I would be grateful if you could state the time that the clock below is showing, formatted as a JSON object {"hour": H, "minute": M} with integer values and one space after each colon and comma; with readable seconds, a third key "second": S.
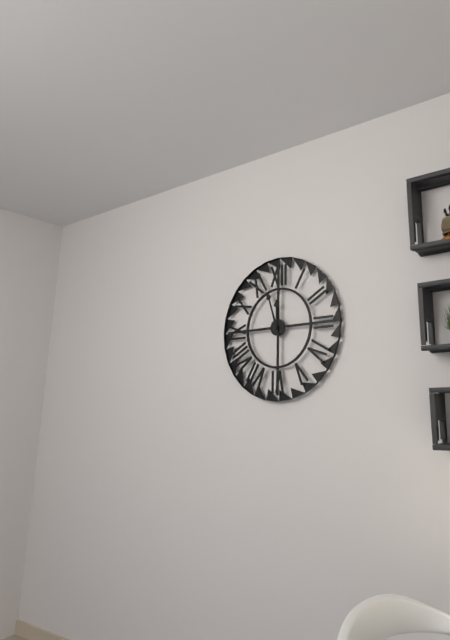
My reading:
{"hour": 11, "minute": 57}
